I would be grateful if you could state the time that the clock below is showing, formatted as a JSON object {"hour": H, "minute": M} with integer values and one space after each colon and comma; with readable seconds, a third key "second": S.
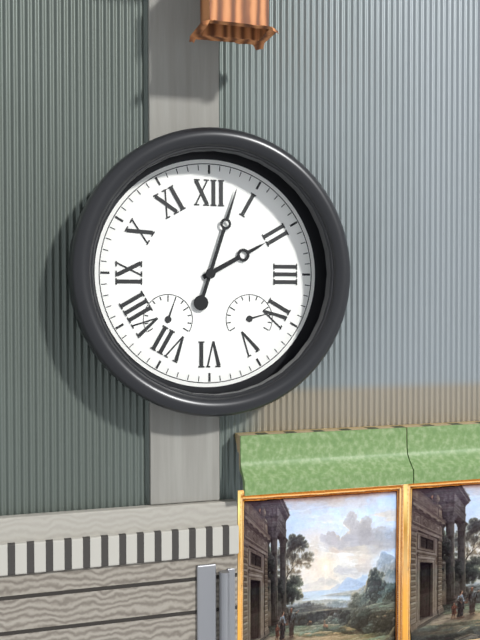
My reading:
{"hour": 2, "minute": 3}
